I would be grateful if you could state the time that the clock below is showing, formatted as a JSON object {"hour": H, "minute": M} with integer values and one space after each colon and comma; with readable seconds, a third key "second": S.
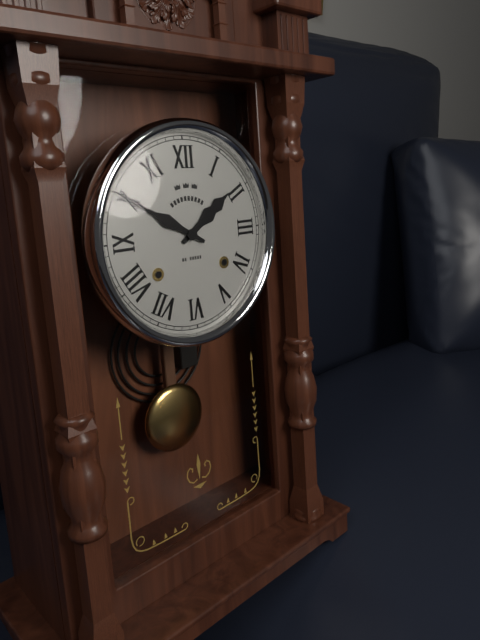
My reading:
{"hour": 1, "minute": 50}
